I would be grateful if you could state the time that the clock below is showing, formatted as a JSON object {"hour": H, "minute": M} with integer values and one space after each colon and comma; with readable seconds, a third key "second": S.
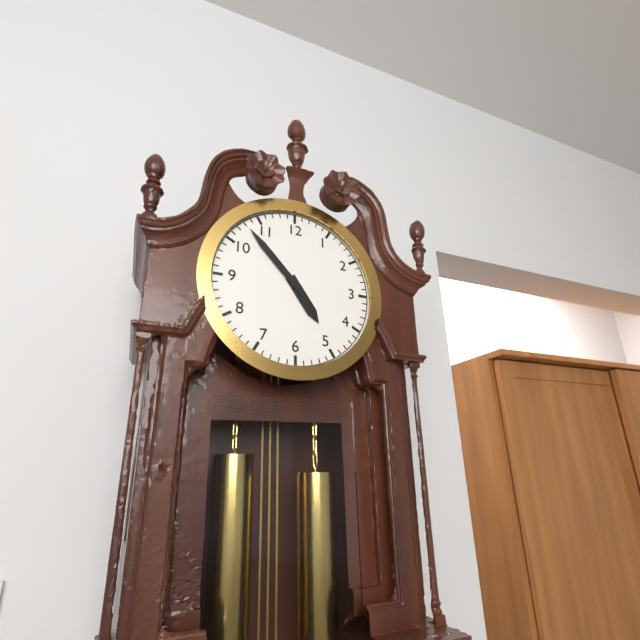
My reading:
{"hour": 4, "minute": 53}
